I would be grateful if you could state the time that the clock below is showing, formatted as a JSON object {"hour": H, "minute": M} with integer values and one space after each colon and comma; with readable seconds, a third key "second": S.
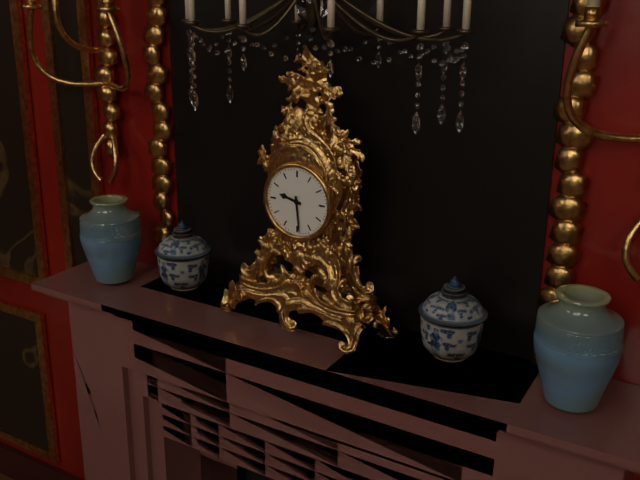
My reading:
{"hour": 9, "minute": 29}
